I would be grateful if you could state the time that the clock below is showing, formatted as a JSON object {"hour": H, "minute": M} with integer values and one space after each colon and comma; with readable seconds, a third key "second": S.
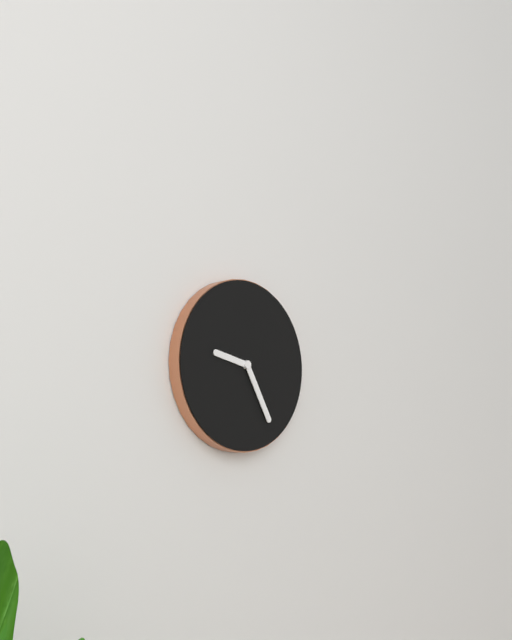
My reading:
{"hour": 9, "minute": 25}
